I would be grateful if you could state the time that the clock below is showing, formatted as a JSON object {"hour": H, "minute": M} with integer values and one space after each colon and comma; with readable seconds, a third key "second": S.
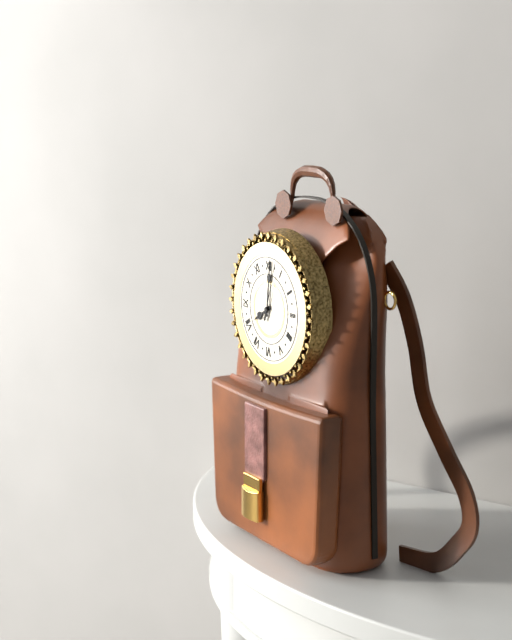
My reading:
{"hour": 8, "minute": 1, "second": 3}
